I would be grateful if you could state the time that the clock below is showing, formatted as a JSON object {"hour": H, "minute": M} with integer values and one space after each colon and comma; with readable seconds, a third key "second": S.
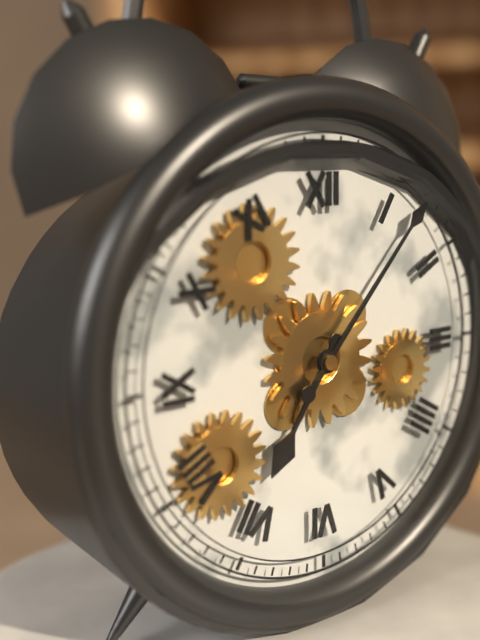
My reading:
{"hour": 7, "minute": 7}
